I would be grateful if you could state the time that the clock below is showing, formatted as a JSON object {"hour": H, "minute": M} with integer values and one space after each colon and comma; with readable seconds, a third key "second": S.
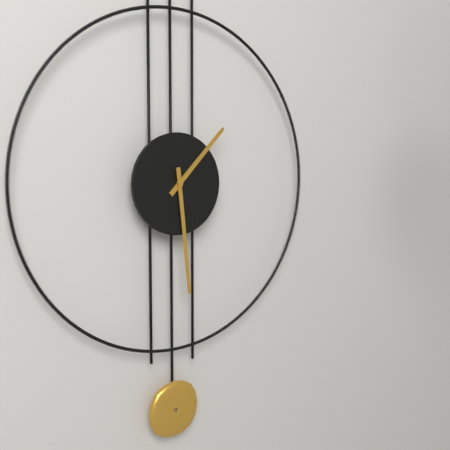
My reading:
{"hour": 1, "minute": 29}
